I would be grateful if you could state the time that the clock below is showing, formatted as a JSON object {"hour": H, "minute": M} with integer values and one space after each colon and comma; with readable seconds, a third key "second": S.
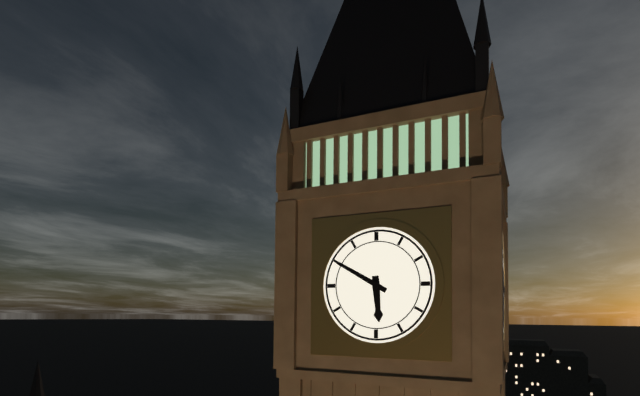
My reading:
{"hour": 5, "minute": 50}
